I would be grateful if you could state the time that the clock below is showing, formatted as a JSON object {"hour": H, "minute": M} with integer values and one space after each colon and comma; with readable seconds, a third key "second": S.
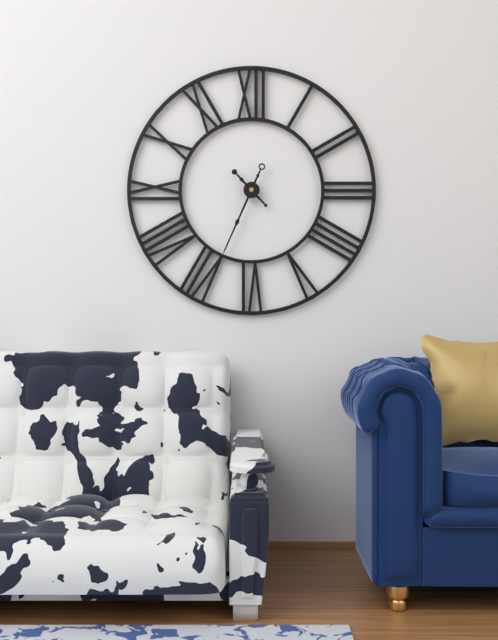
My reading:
{"hour": 10, "minute": 34}
